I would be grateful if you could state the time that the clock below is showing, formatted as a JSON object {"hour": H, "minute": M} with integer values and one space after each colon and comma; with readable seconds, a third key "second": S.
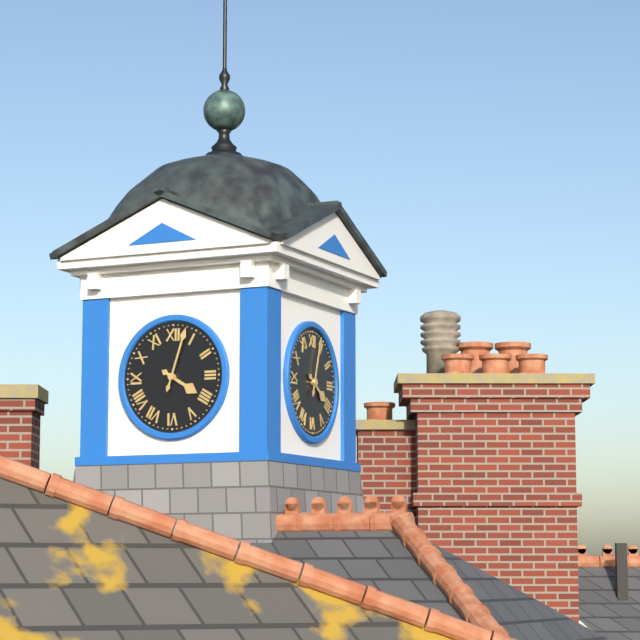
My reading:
{"hour": 4, "minute": 3}
